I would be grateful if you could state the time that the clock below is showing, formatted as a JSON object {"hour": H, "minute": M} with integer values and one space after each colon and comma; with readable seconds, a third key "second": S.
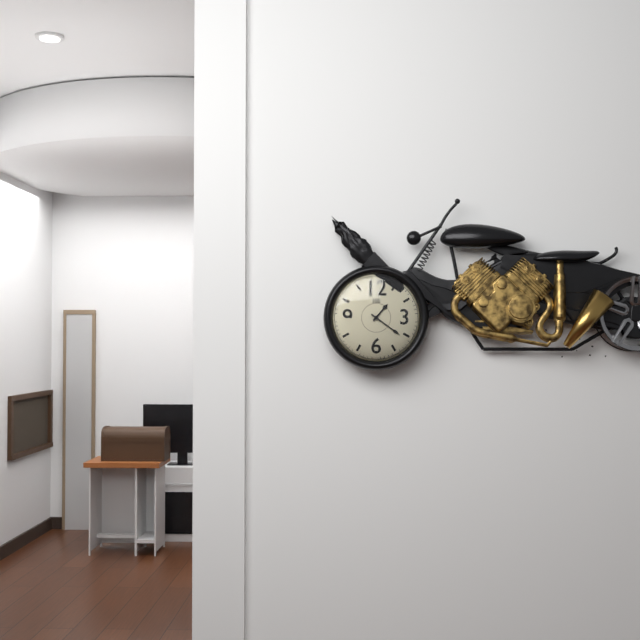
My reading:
{"hour": 1, "minute": 21}
